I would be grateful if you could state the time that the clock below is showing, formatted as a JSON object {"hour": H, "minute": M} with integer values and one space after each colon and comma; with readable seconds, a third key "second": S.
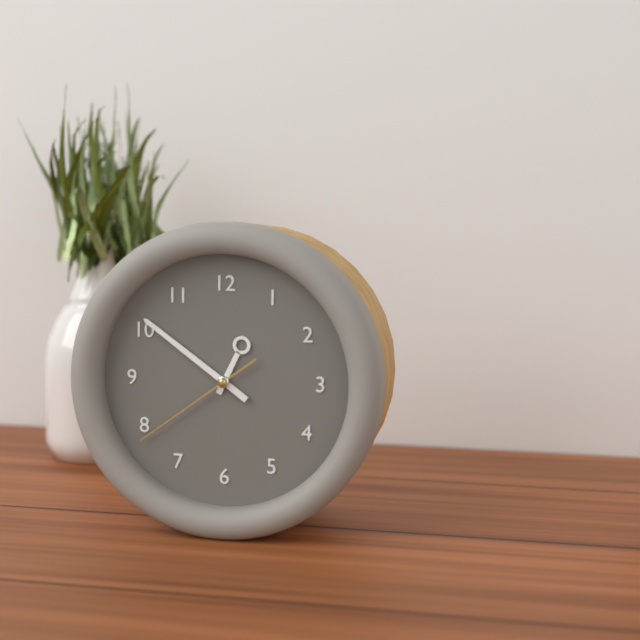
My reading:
{"hour": 12, "minute": 51, "second": 39}
